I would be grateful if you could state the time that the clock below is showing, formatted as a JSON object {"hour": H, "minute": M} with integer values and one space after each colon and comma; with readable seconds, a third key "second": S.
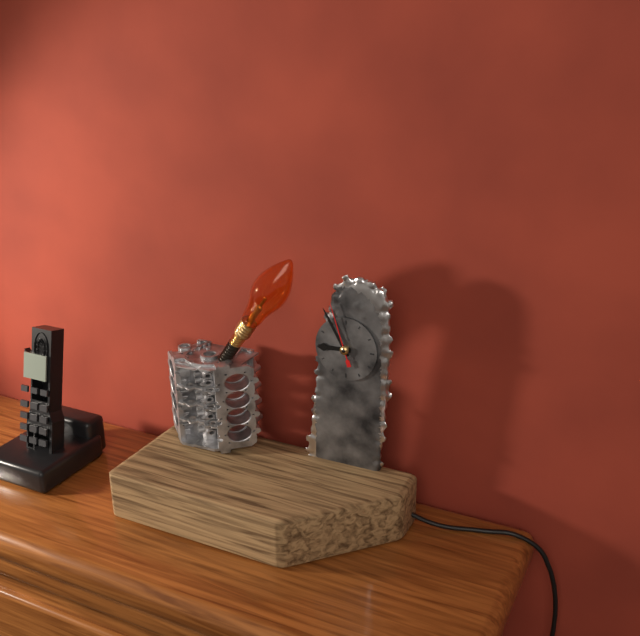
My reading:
{"hour": 8, "minute": 55, "second": 57}
